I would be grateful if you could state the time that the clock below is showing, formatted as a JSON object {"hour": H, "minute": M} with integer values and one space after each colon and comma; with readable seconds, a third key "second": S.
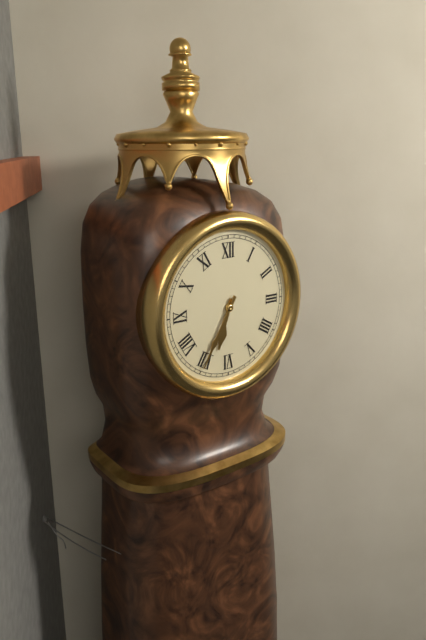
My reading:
{"hour": 6, "minute": 35}
